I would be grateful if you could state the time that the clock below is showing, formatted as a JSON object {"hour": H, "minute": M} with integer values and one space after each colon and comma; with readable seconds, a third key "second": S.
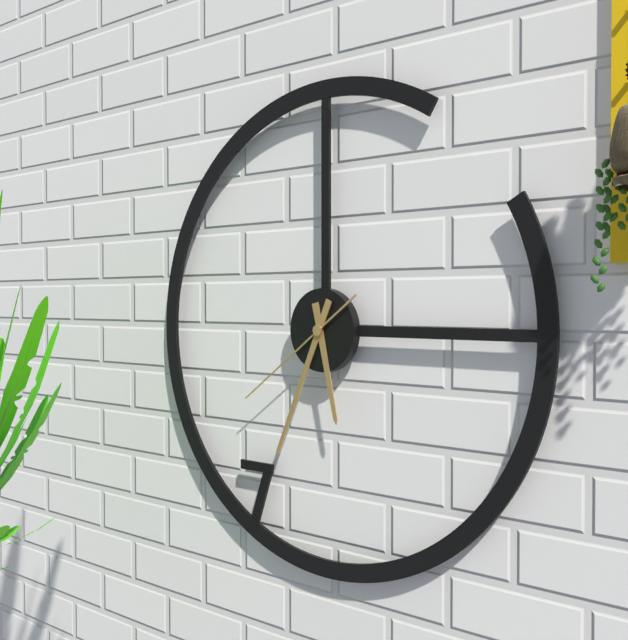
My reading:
{"hour": 5, "minute": 34, "second": 39}
